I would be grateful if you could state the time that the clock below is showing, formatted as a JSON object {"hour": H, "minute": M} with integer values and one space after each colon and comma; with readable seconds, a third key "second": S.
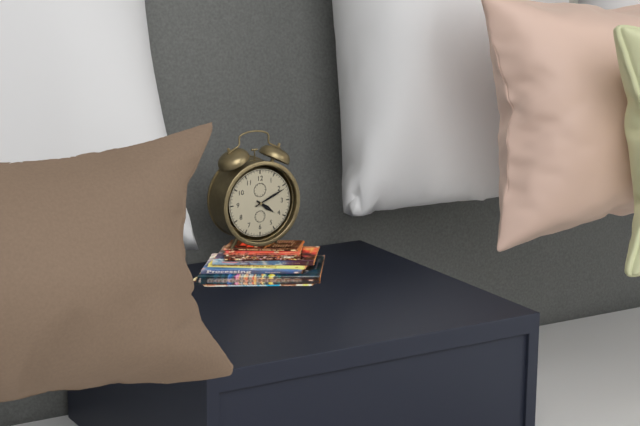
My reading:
{"hour": 4, "minute": 11}
